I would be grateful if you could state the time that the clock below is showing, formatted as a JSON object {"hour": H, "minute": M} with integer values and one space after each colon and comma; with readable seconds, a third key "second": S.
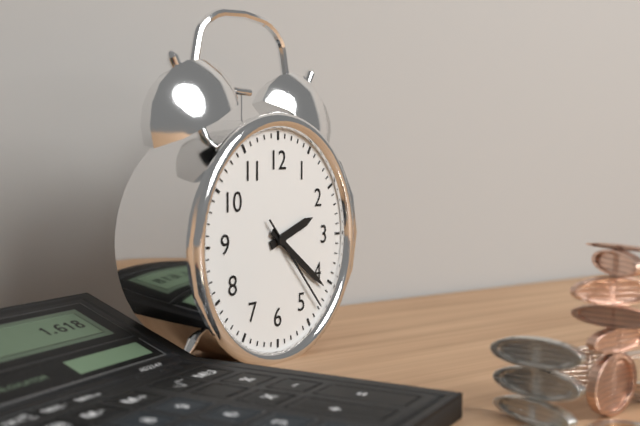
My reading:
{"hour": 2, "minute": 21, "second": 23}
